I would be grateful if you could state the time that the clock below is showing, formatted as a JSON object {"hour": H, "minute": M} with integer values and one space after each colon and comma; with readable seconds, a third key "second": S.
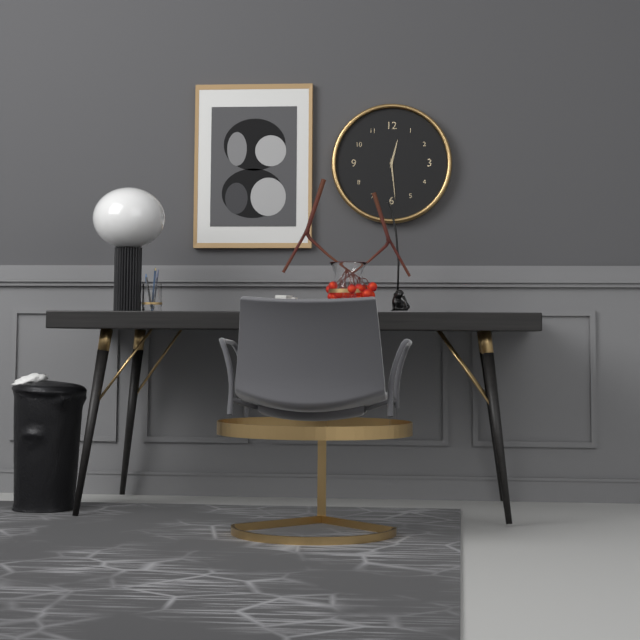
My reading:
{"hour": 12, "minute": 29}
